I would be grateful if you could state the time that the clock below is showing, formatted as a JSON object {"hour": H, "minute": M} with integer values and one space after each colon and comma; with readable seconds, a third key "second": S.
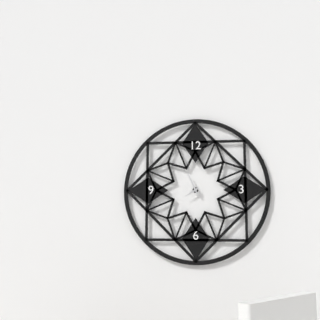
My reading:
{"hour": 7, "minute": 56}
